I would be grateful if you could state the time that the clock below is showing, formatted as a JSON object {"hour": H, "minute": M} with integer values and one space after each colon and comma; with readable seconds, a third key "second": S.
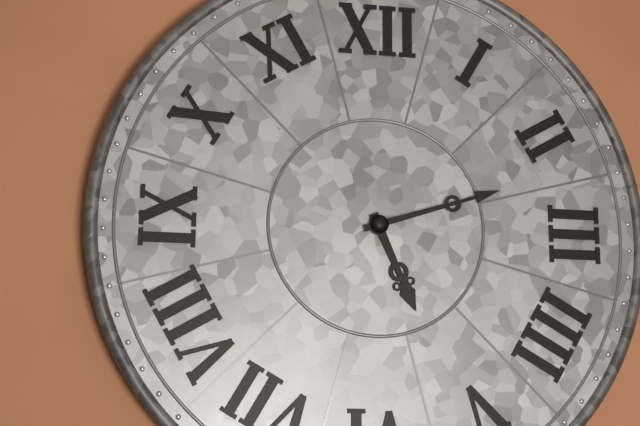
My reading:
{"hour": 5, "minute": 12}
